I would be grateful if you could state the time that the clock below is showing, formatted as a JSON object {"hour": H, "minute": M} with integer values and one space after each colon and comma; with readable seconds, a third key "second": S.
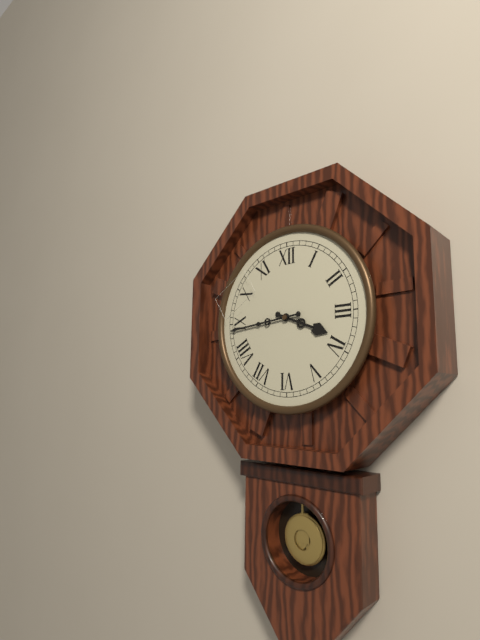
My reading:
{"hour": 3, "minute": 44}
